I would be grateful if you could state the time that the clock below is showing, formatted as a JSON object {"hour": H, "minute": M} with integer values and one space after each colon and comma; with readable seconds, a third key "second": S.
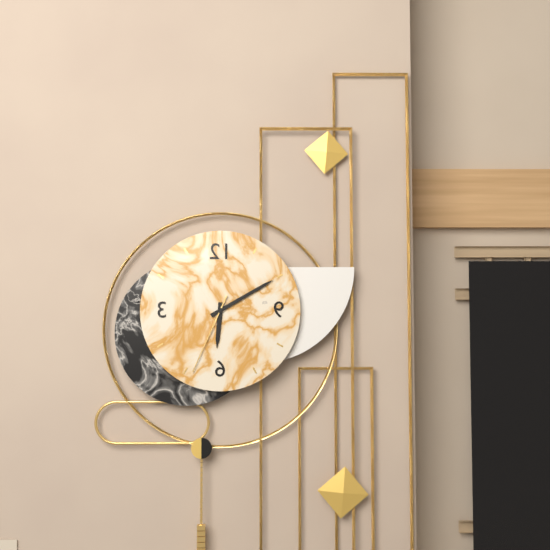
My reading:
{"hour": 6, "minute": 10, "second": 34}
